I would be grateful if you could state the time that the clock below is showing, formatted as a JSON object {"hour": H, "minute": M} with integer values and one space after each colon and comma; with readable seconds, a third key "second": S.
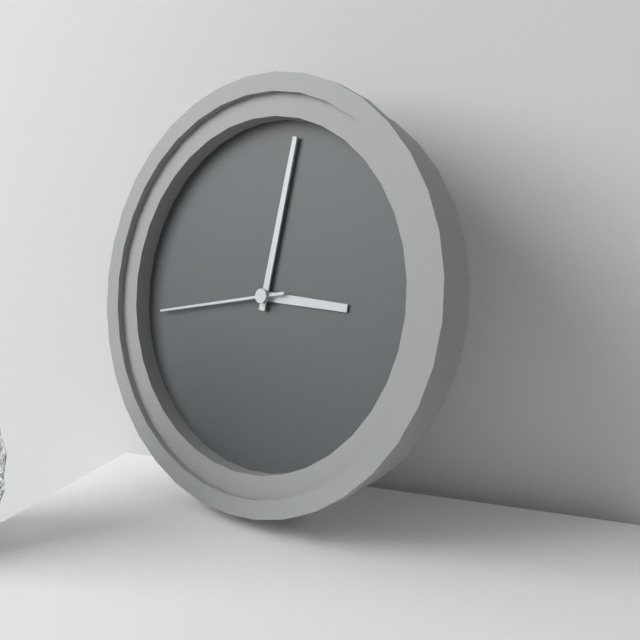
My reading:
{"hour": 3, "minute": 1, "second": 43}
